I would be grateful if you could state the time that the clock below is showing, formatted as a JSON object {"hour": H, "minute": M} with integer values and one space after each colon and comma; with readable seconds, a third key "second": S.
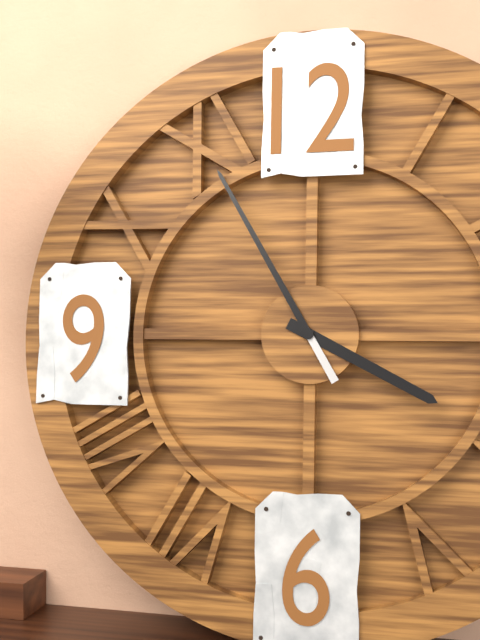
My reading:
{"hour": 3, "minute": 55}
